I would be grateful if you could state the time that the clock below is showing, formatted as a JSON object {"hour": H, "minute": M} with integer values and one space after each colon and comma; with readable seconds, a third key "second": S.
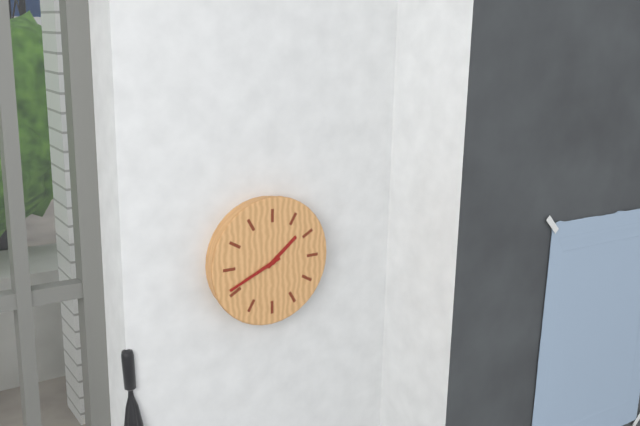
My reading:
{"hour": 1, "minute": 41}
